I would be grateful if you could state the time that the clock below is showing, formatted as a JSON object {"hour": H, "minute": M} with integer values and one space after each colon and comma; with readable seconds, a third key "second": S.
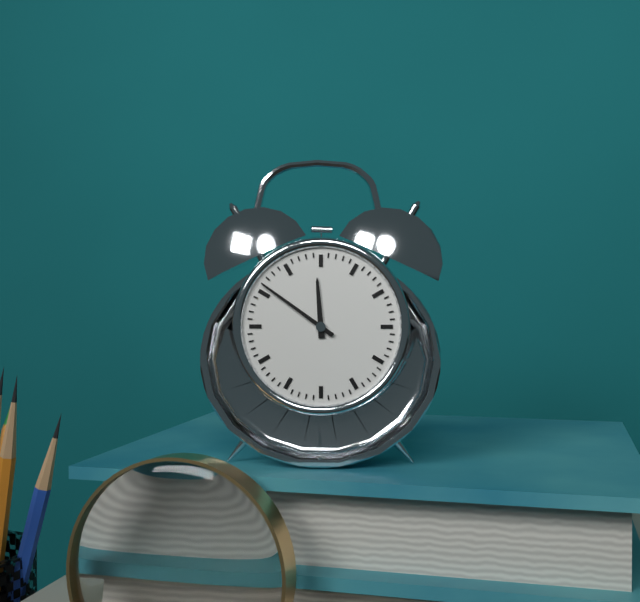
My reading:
{"hour": 11, "minute": 51}
